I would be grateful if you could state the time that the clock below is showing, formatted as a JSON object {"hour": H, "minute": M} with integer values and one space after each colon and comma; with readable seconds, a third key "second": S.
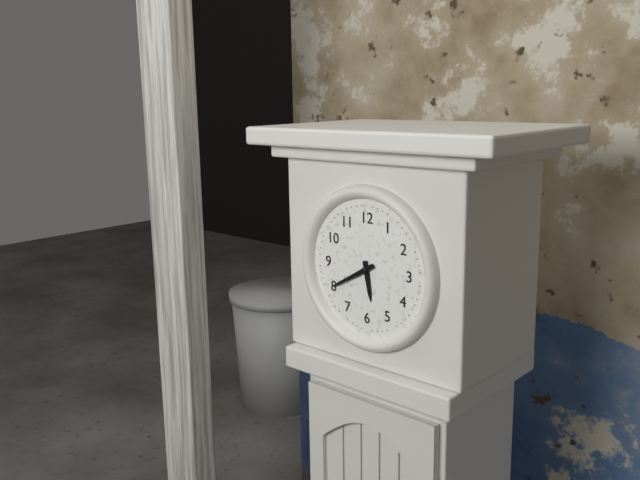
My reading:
{"hour": 5, "minute": 40}
